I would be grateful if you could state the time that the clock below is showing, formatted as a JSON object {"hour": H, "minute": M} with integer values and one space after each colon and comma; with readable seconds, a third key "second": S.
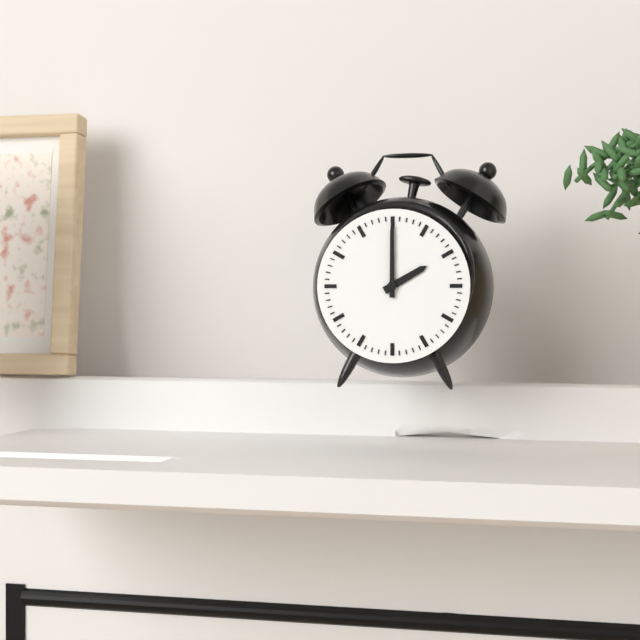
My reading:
{"hour": 2, "minute": 0}
